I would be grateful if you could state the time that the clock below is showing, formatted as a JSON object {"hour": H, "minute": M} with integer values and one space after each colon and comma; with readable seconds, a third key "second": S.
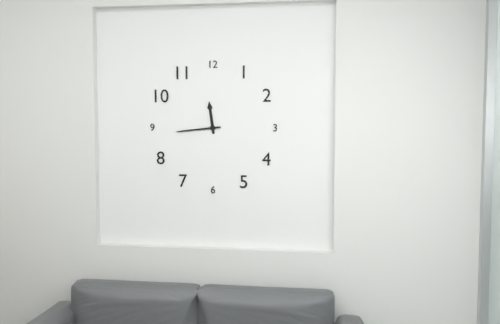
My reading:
{"hour": 11, "minute": 44}
